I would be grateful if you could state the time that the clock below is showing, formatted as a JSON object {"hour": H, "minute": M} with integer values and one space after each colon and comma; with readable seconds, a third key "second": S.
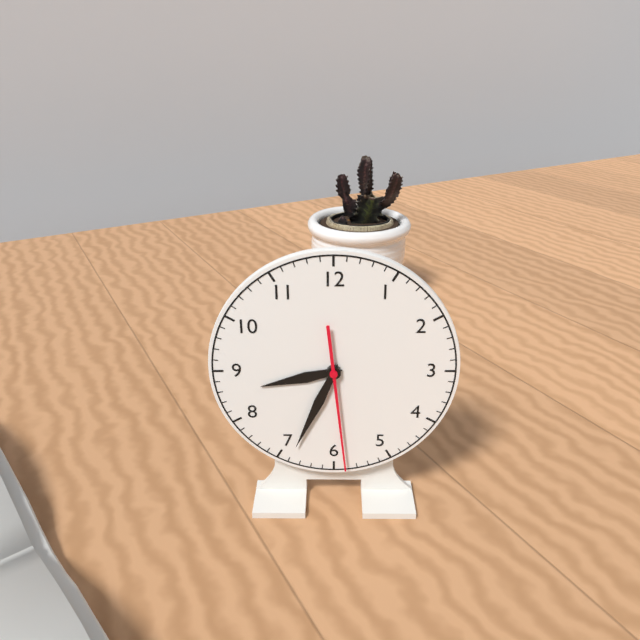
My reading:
{"hour": 8, "minute": 34, "second": 29}
